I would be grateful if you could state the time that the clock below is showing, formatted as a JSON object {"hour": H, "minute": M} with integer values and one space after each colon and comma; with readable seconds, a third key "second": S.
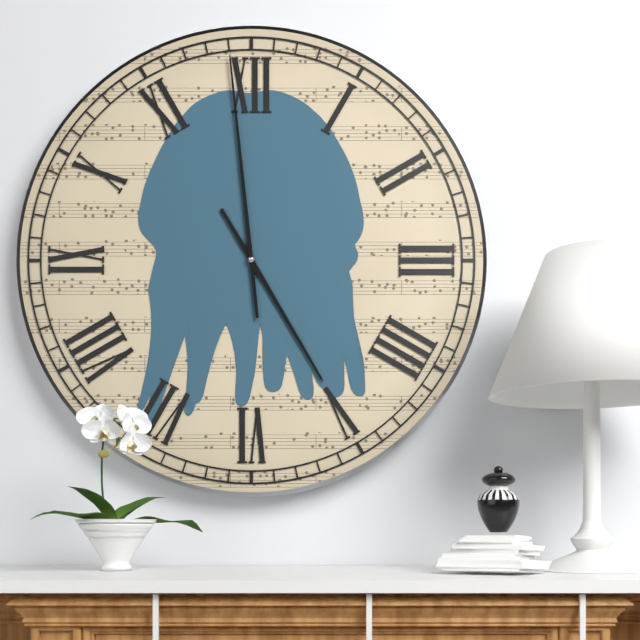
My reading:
{"hour": 4, "minute": 59}
